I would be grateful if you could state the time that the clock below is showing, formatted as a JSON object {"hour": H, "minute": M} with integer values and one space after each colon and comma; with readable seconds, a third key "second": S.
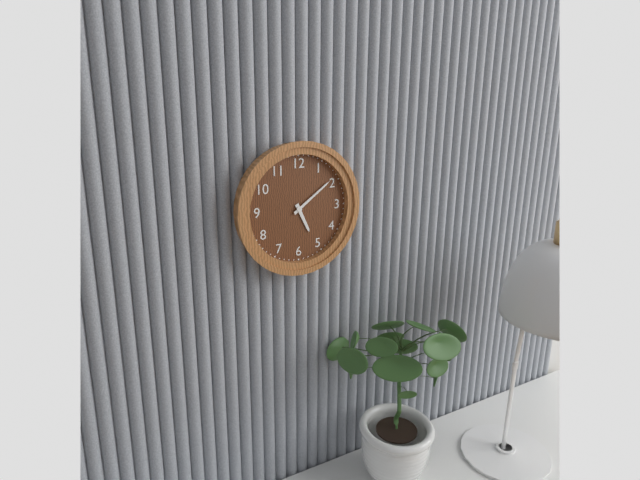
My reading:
{"hour": 5, "minute": 9}
